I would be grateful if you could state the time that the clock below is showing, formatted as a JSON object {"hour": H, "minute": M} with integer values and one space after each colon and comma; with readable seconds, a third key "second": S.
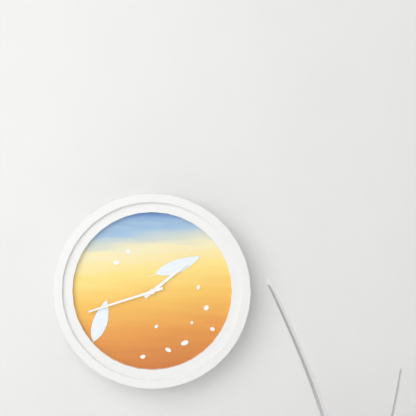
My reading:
{"hour": 1, "minute": 42}
